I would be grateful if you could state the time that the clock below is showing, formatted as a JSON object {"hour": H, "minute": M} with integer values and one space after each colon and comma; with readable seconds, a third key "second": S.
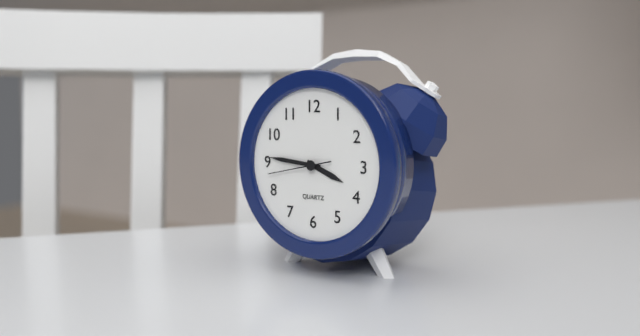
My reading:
{"hour": 3, "minute": 46, "second": 43}
